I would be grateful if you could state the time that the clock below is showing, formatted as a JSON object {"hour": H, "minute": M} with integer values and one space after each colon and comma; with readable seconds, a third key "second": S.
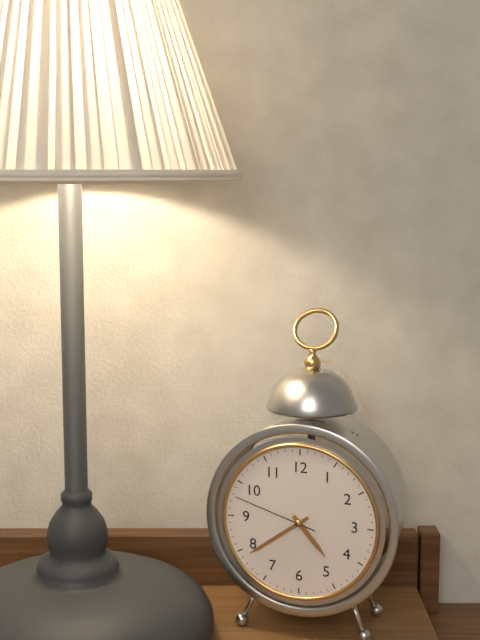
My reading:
{"hour": 4, "minute": 39, "second": 48}
